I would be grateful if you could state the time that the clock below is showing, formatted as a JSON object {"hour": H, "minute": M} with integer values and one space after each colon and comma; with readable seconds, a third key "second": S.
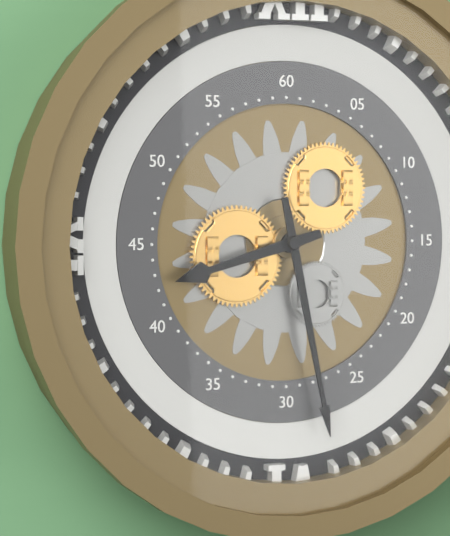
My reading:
{"hour": 8, "minute": 28}
